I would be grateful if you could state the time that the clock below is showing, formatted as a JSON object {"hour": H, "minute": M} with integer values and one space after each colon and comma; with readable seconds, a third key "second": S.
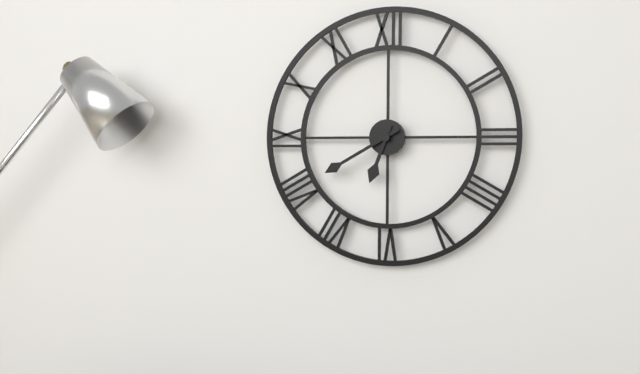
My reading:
{"hour": 6, "minute": 40}
